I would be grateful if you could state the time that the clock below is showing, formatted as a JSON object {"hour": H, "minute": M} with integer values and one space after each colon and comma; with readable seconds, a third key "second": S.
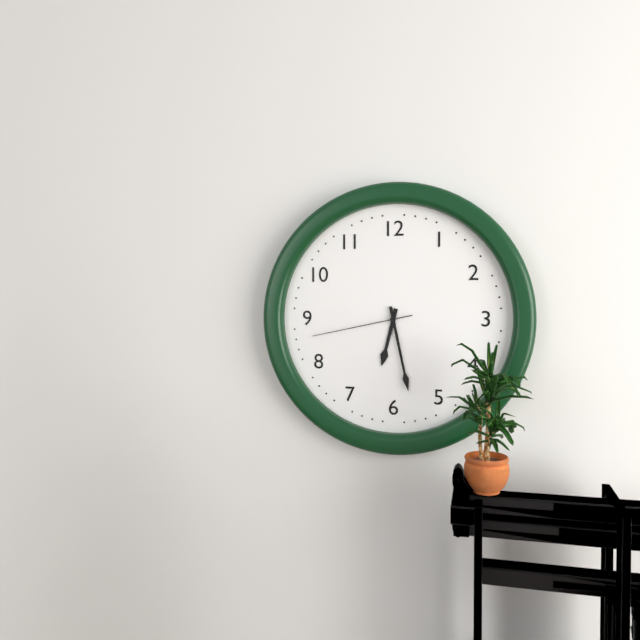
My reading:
{"hour": 6, "minute": 28, "second": 43}
